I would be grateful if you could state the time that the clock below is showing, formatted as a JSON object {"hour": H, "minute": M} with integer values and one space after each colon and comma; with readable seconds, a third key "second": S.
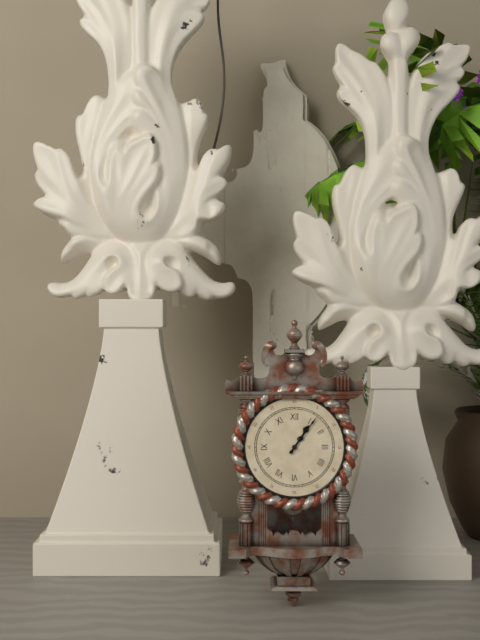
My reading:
{"hour": 1, "minute": 6}
